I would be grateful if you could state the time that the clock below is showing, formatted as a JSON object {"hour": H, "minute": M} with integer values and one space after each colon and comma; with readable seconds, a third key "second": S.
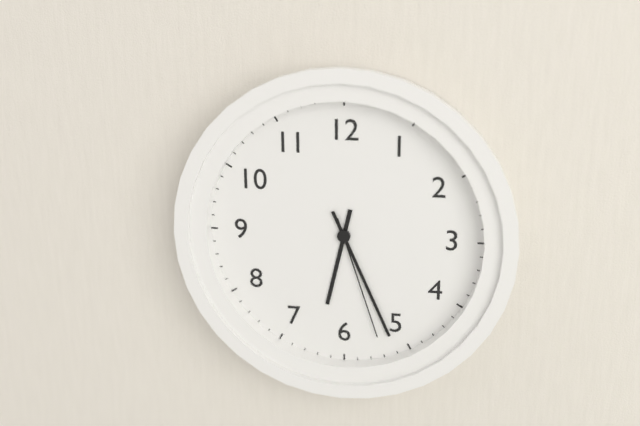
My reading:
{"hour": 6, "minute": 26, "second": 27}
